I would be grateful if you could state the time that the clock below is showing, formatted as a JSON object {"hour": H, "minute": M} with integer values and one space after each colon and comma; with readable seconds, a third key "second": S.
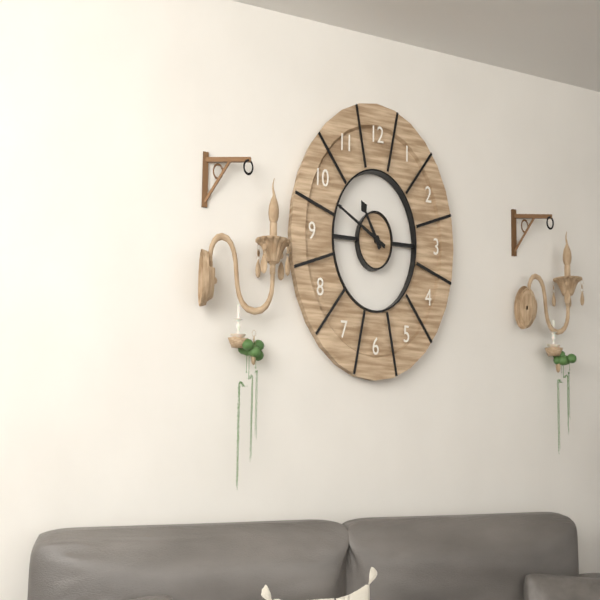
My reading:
{"hour": 10, "minute": 49}
